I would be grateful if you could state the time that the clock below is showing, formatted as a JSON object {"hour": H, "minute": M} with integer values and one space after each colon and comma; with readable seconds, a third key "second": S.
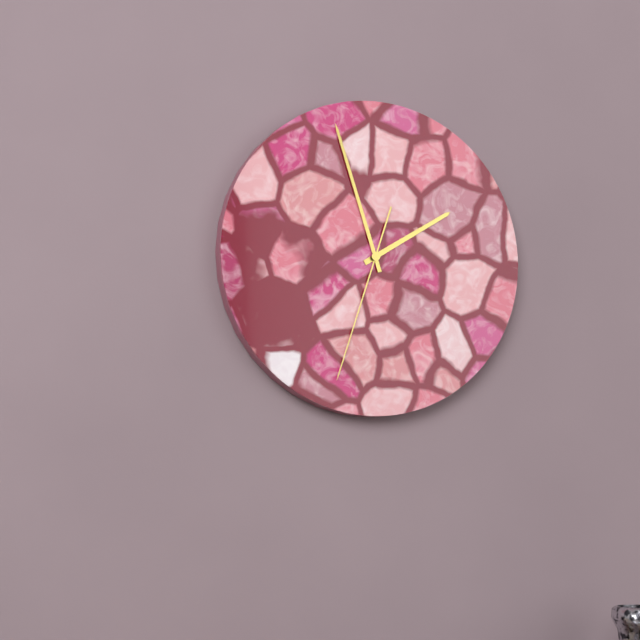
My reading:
{"hour": 1, "minute": 57, "second": 33}
